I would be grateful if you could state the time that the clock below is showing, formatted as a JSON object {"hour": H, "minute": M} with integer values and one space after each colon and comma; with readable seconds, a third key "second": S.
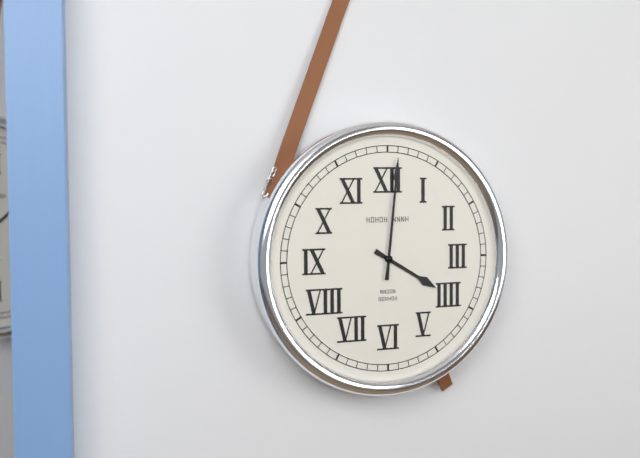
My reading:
{"hour": 4, "minute": 1}
